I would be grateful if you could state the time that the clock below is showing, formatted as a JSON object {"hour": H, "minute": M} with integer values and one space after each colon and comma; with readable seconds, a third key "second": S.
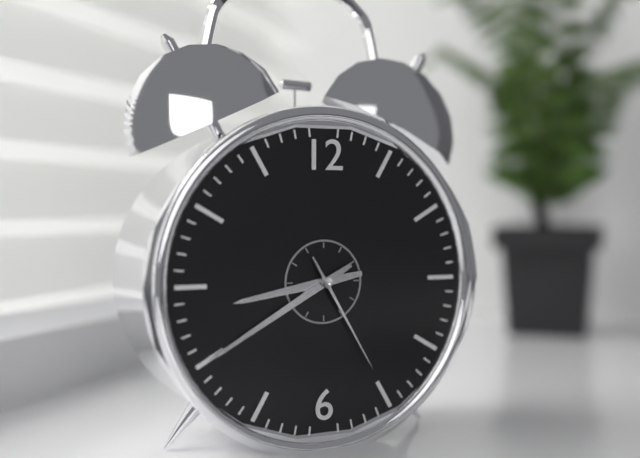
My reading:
{"hour": 8, "minute": 40, "second": 25}
